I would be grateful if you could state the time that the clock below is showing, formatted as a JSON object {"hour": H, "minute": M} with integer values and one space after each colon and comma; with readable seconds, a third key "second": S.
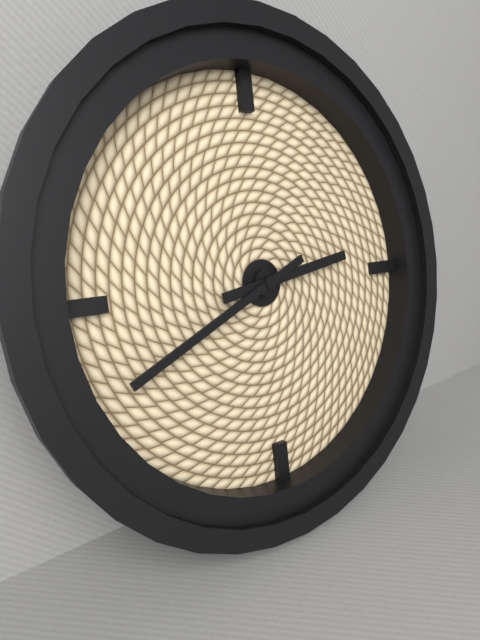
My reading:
{"hour": 2, "minute": 41}
